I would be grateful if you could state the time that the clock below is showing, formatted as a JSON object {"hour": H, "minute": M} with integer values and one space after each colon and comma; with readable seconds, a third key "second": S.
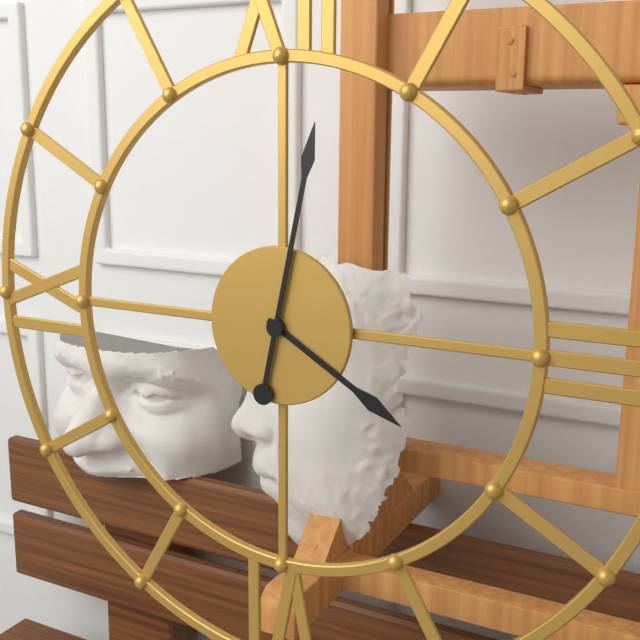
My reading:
{"hour": 4, "minute": 2}
